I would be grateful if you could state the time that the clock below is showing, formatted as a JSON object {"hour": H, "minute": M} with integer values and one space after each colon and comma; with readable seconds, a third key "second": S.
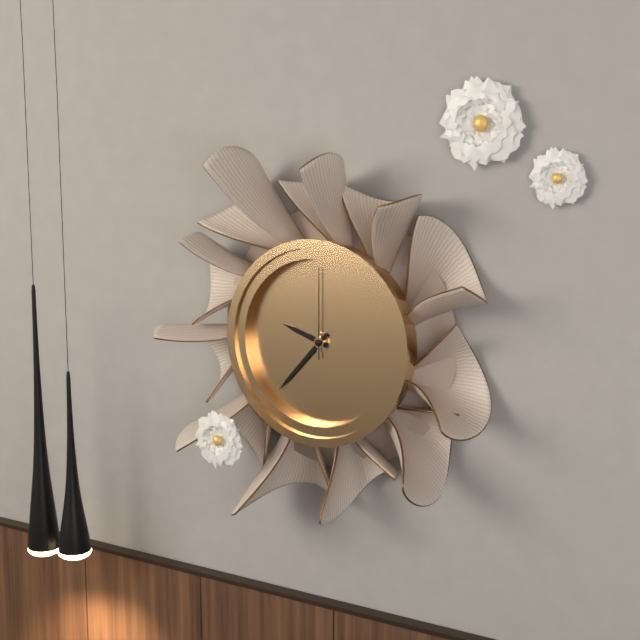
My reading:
{"hour": 9, "minute": 37, "second": 0}
